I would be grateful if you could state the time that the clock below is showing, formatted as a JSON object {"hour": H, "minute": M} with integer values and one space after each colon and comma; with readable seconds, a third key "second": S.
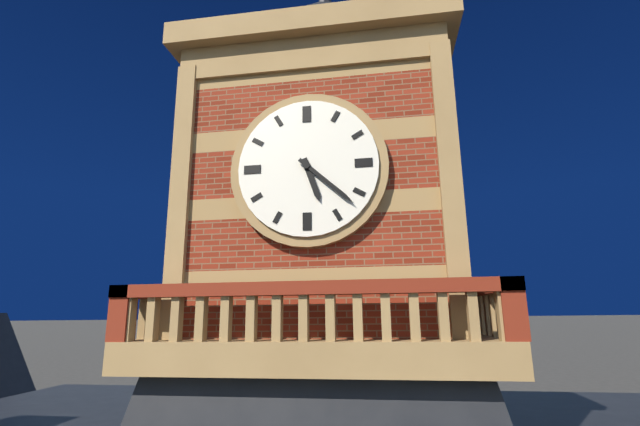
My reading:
{"hour": 5, "minute": 22}
